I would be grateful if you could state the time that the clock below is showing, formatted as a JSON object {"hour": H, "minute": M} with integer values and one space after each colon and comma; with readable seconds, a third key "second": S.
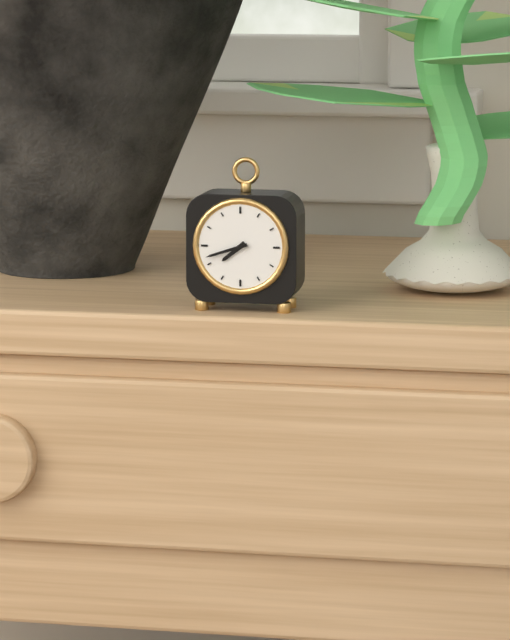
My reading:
{"hour": 7, "minute": 42}
